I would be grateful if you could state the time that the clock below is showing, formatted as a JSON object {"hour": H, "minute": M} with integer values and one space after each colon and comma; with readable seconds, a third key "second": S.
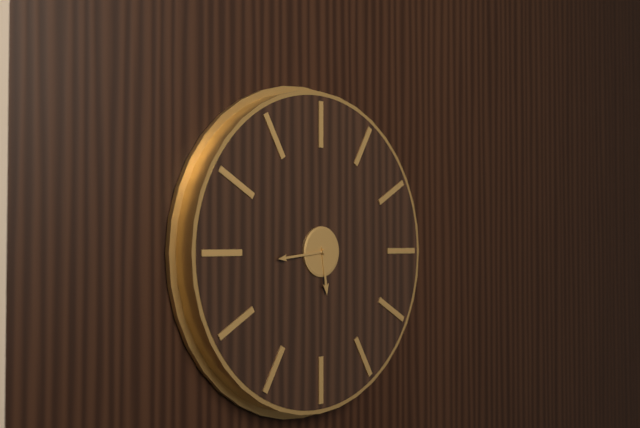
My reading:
{"hour": 5, "minute": 44}
